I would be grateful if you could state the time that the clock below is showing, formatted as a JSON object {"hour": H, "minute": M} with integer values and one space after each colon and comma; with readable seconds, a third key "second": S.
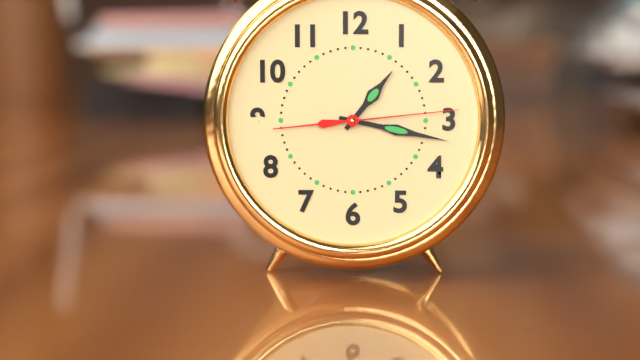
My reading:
{"hour": 1, "minute": 17, "second": 14}
